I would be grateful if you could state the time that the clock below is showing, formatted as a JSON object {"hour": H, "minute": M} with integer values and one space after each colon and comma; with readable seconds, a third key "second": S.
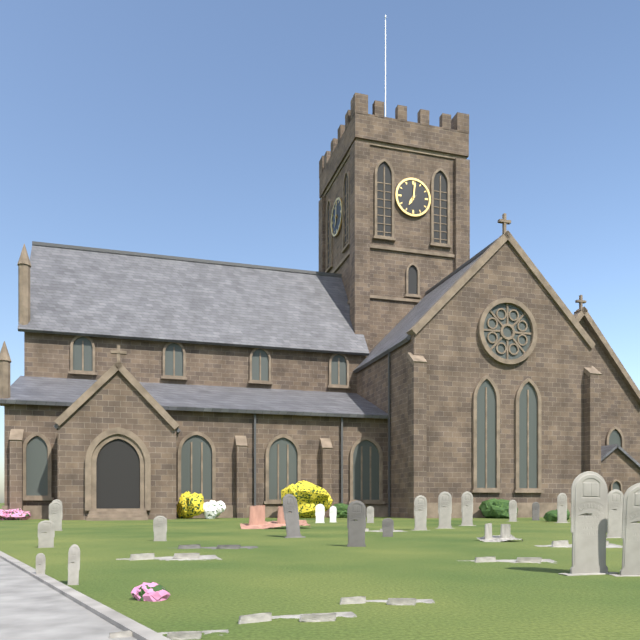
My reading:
{"hour": 7, "minute": 1}
